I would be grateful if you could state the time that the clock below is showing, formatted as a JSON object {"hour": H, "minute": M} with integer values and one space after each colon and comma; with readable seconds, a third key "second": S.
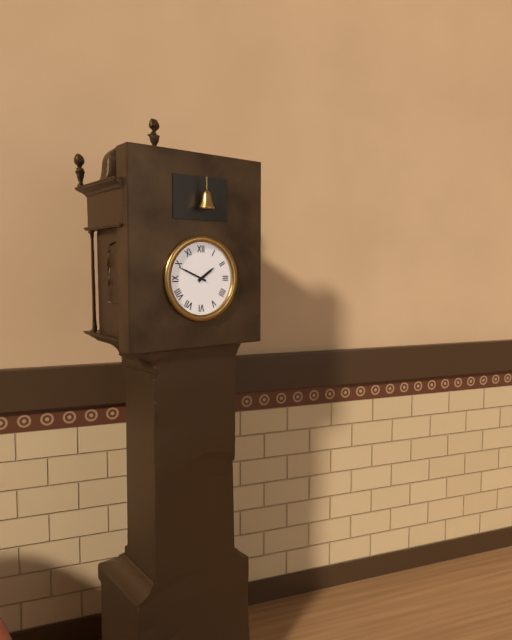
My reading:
{"hour": 1, "minute": 49}
